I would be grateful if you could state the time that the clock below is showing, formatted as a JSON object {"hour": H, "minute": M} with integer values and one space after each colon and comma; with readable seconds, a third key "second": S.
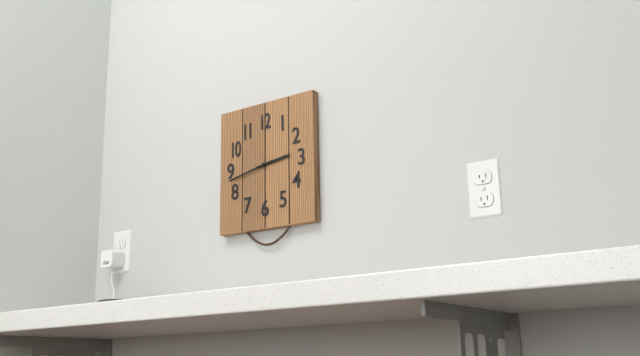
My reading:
{"hour": 2, "minute": 43}
